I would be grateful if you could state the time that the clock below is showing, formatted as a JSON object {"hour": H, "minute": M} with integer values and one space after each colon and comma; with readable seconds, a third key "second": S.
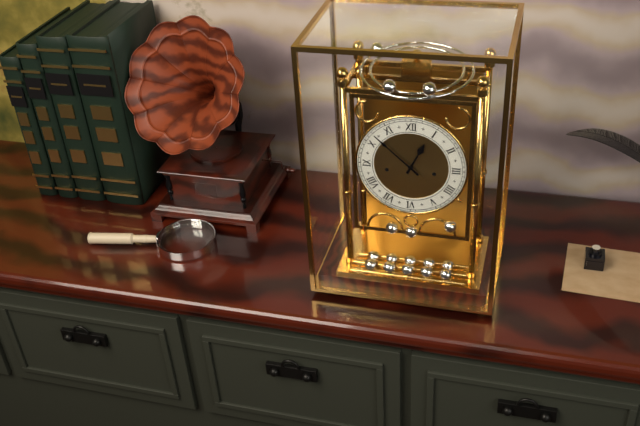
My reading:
{"hour": 12, "minute": 52}
